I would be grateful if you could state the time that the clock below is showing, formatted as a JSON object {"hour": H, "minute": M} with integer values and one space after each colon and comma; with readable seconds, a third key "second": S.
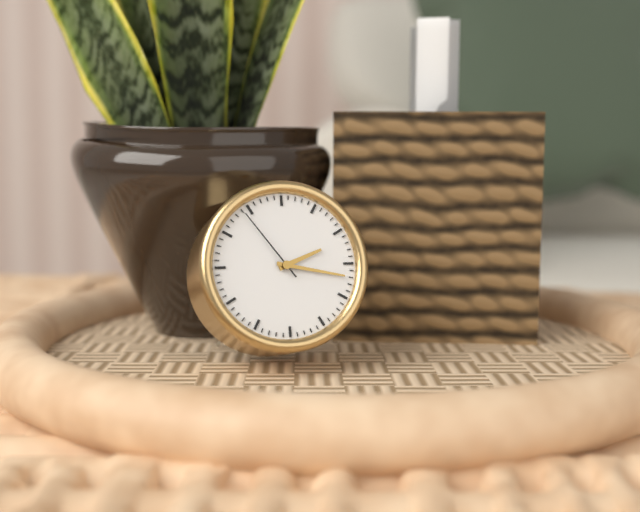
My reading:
{"hour": 2, "minute": 17, "second": 54}
